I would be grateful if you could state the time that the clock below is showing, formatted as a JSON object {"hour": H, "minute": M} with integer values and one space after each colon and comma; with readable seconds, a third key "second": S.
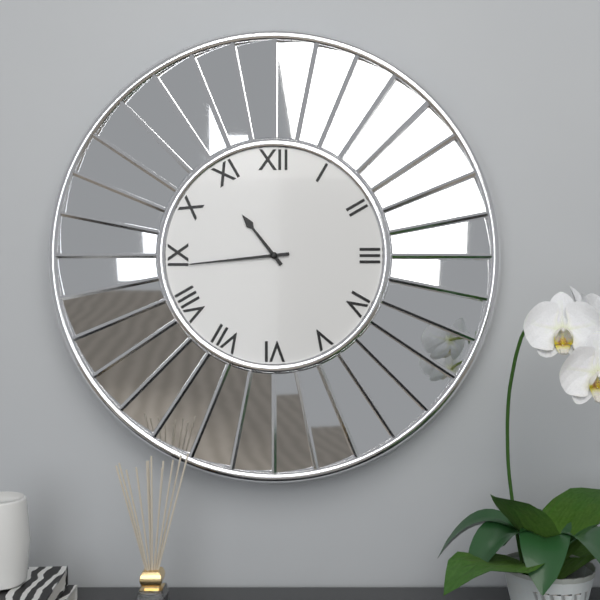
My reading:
{"hour": 10, "minute": 44}
